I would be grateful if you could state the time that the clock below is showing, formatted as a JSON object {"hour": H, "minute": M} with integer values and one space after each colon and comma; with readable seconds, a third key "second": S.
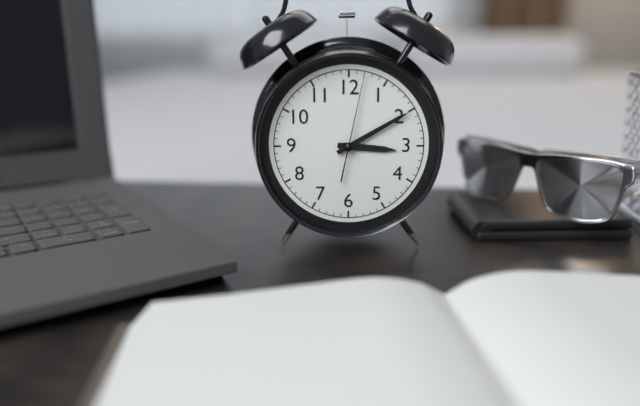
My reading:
{"hour": 3, "minute": 10, "second": 2}
